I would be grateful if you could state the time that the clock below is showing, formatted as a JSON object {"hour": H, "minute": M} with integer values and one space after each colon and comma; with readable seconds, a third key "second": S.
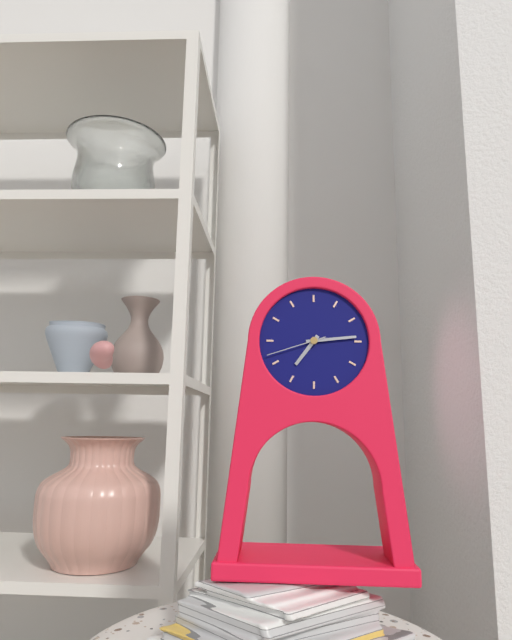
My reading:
{"hour": 7, "minute": 14, "second": 42}
